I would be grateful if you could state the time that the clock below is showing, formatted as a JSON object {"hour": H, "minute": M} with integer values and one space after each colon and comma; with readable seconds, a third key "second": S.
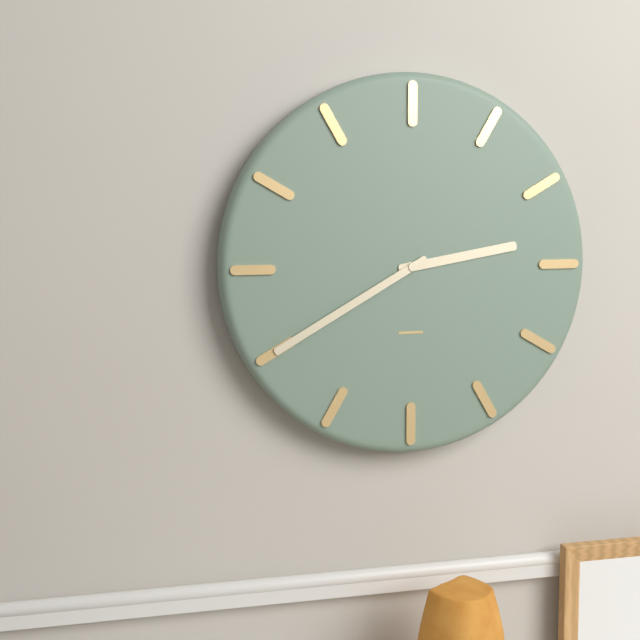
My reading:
{"hour": 2, "minute": 40}
